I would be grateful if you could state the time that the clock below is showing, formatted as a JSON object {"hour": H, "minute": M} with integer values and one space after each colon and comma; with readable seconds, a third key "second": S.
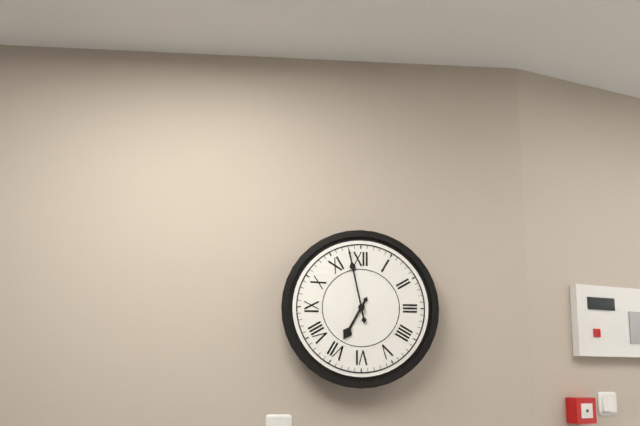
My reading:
{"hour": 6, "minute": 58}
